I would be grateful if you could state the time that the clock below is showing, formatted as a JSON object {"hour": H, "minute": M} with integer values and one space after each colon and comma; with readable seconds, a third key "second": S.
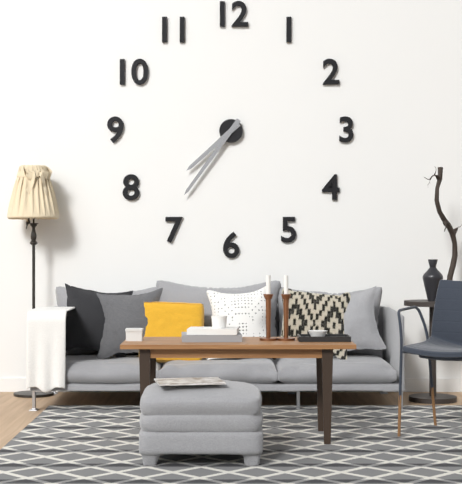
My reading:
{"hour": 7, "minute": 36}
